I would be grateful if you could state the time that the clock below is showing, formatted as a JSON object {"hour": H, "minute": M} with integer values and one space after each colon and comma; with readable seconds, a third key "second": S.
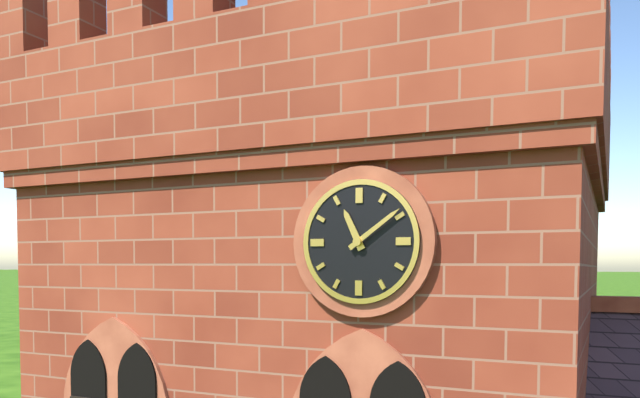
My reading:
{"hour": 11, "minute": 9}
